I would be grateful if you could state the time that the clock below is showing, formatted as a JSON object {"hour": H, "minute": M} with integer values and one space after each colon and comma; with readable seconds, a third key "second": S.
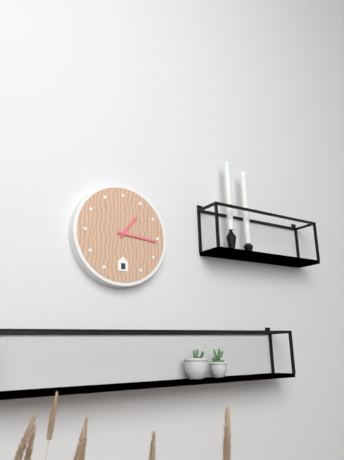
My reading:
{"hour": 1, "minute": 16}
